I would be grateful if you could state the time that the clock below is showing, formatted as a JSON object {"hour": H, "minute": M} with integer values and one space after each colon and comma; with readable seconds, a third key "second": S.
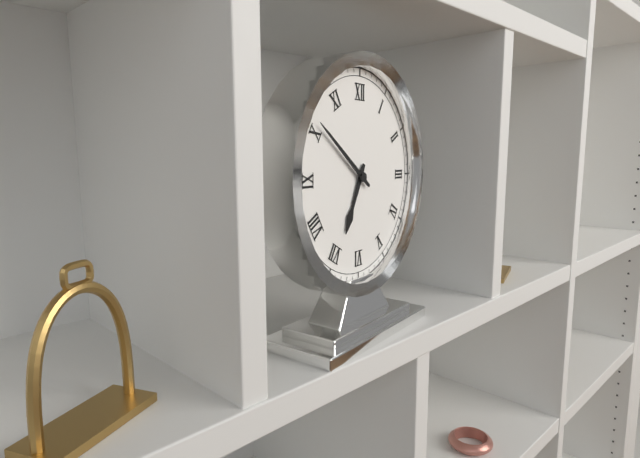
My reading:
{"hour": 6, "minute": 51}
